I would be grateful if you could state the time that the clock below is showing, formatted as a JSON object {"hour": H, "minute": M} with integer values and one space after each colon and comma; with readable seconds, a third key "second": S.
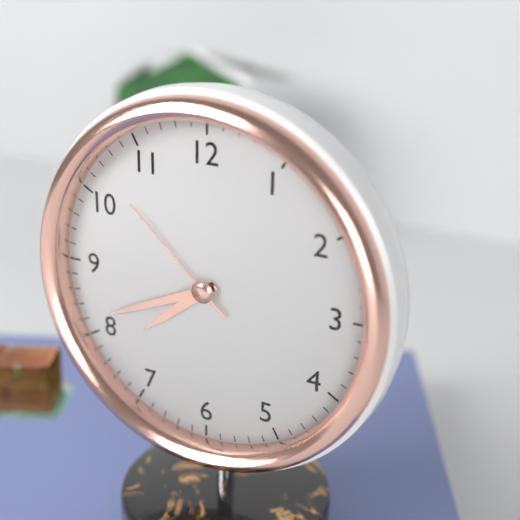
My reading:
{"hour": 7, "minute": 41, "second": 52}
